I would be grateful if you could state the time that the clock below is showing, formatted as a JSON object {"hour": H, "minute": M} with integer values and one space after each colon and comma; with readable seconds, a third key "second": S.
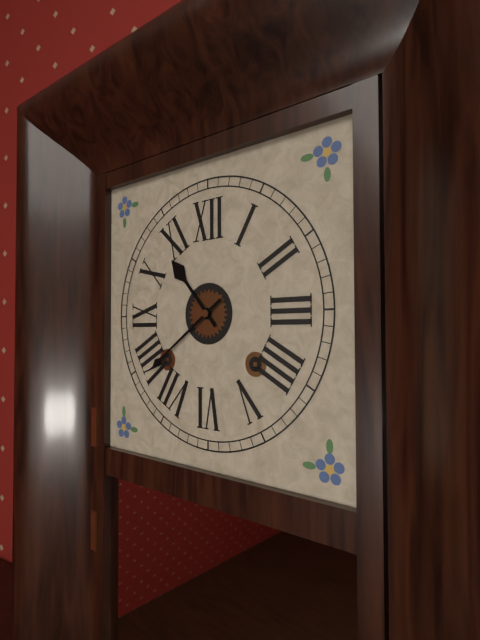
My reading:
{"hour": 10, "minute": 39}
